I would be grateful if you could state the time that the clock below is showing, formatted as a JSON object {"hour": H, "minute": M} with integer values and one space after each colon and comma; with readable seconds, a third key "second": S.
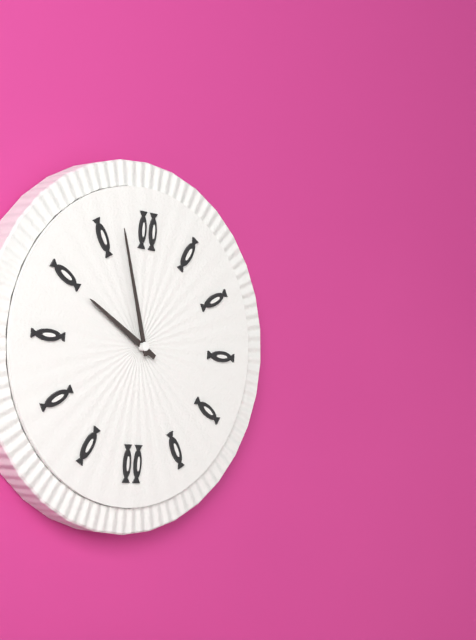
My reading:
{"hour": 9, "minute": 57}
